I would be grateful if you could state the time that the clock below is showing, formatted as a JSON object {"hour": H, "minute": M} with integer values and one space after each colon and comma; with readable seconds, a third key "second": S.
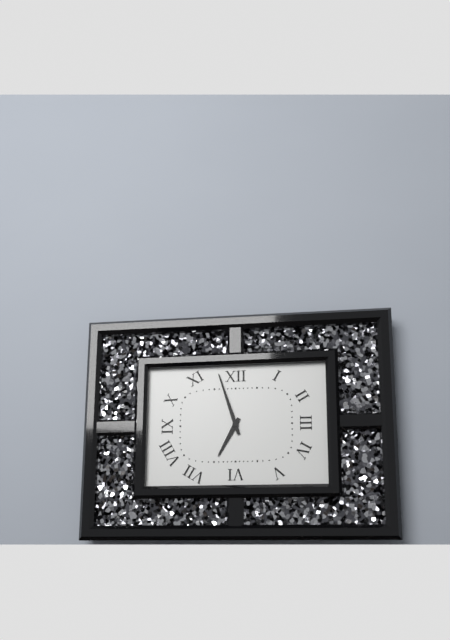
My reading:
{"hour": 6, "minute": 57}
